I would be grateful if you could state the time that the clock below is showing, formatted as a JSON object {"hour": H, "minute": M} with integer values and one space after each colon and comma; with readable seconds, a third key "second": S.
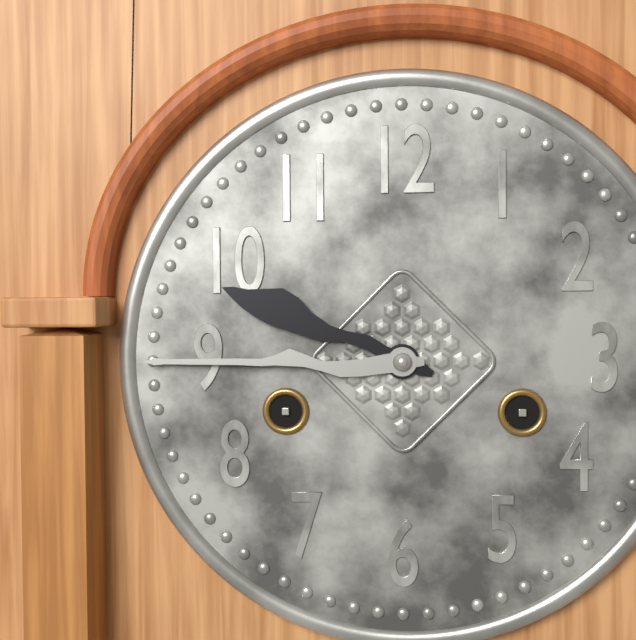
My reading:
{"hour": 9, "minute": 45}
